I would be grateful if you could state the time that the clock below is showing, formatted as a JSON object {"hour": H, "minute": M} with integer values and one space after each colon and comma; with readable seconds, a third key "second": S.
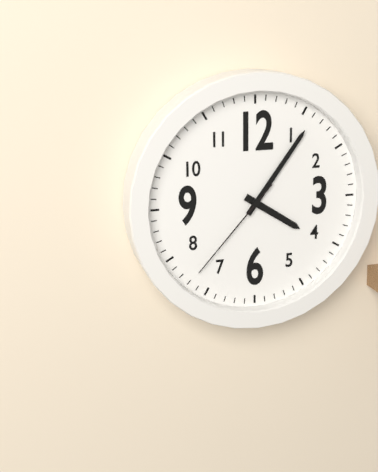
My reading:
{"hour": 4, "minute": 6, "second": 37}
